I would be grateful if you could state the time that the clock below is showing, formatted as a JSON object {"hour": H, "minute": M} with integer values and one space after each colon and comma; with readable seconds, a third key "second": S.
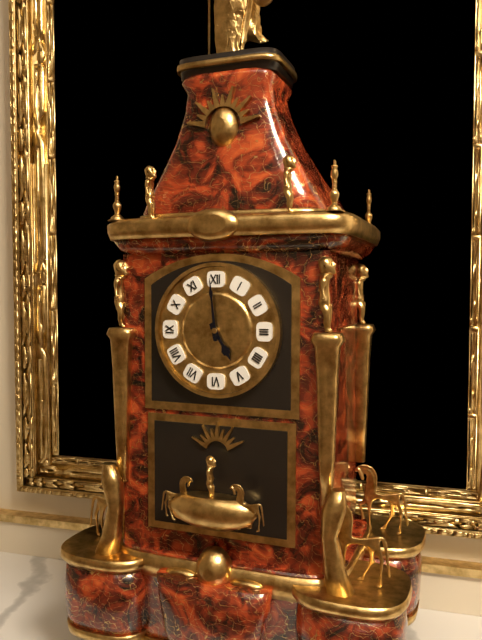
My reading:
{"hour": 4, "minute": 59}
